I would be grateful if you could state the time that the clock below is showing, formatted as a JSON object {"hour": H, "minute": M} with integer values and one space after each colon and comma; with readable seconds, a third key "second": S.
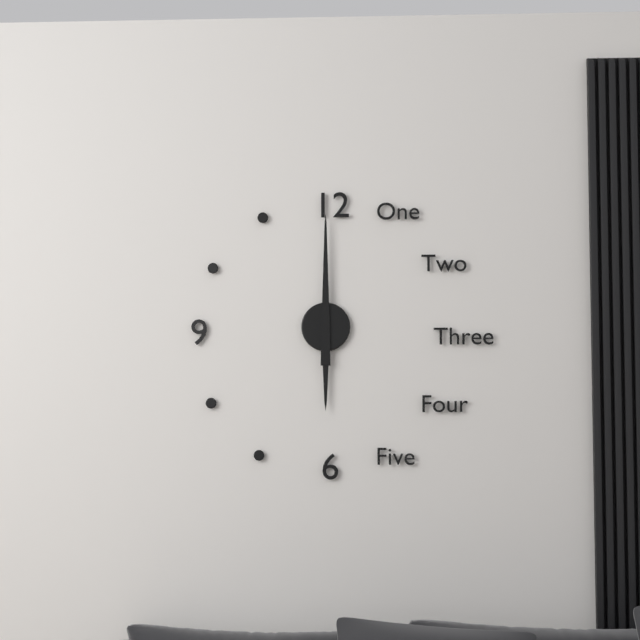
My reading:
{"hour": 6, "minute": 0}
